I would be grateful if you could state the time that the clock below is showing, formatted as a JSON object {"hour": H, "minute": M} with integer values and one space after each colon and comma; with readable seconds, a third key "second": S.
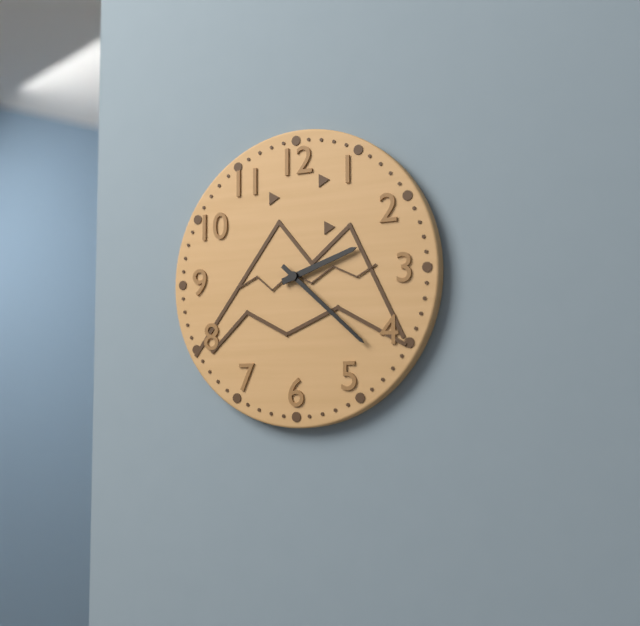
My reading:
{"hour": 2, "minute": 22}
